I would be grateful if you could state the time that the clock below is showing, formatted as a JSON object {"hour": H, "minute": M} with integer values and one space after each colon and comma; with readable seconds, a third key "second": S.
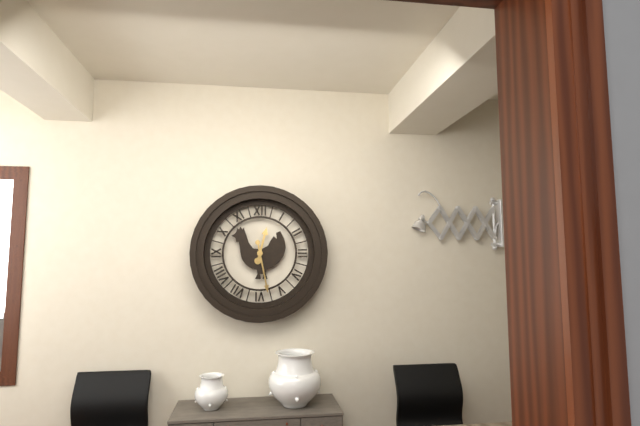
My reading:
{"hour": 12, "minute": 28}
